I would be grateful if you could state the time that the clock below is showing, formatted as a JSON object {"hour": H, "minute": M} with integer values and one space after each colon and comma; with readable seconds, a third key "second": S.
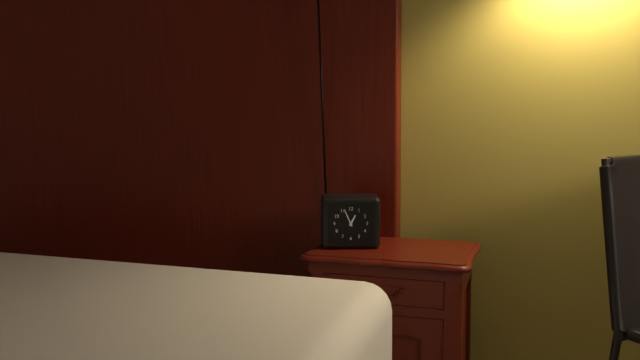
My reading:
{"hour": 12, "minute": 56}
